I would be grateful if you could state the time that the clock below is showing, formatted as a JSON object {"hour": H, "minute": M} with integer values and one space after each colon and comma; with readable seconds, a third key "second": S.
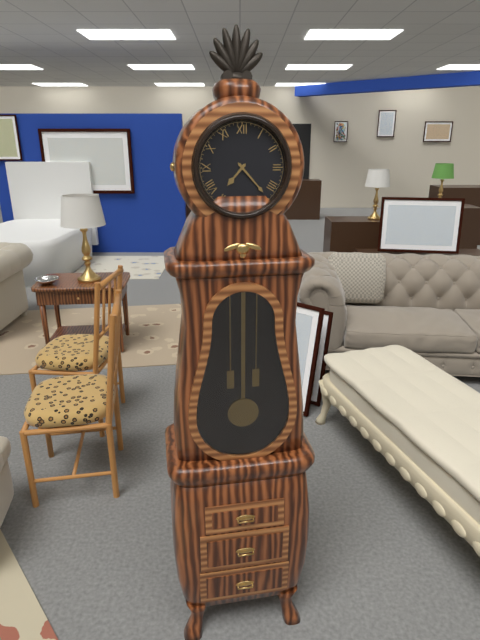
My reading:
{"hour": 7, "minute": 23}
